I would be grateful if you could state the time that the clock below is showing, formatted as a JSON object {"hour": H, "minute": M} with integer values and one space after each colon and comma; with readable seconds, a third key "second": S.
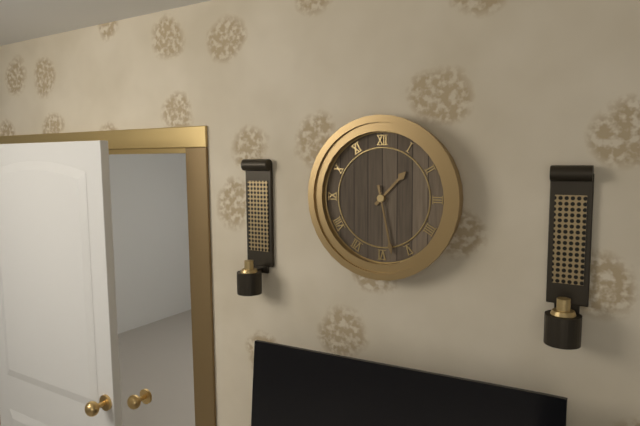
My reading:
{"hour": 1, "minute": 28}
